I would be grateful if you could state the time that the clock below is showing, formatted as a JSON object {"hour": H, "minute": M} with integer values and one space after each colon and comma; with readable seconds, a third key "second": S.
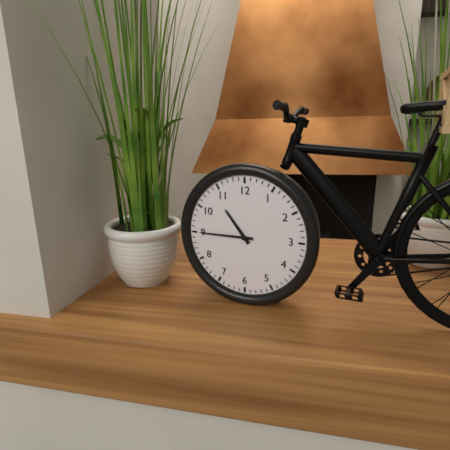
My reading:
{"hour": 10, "minute": 45}
